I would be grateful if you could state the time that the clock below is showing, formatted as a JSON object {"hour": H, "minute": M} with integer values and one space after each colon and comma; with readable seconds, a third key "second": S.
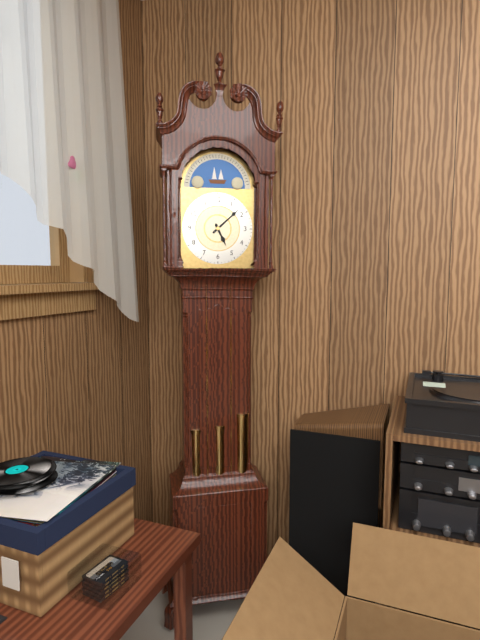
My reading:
{"hour": 5, "minute": 8}
